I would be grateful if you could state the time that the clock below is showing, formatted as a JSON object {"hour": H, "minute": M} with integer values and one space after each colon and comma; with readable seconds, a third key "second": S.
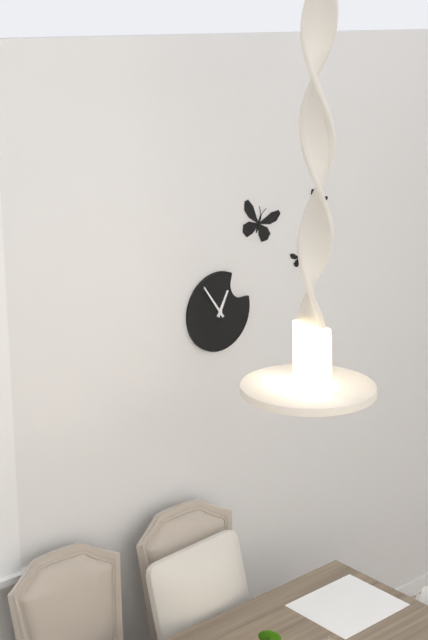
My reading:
{"hour": 12, "minute": 54}
